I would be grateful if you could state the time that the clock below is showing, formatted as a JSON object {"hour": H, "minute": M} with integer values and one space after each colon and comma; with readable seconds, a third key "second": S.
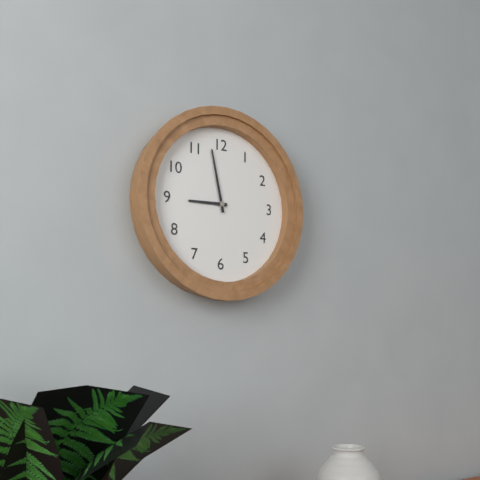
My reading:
{"hour": 8, "minute": 58}
